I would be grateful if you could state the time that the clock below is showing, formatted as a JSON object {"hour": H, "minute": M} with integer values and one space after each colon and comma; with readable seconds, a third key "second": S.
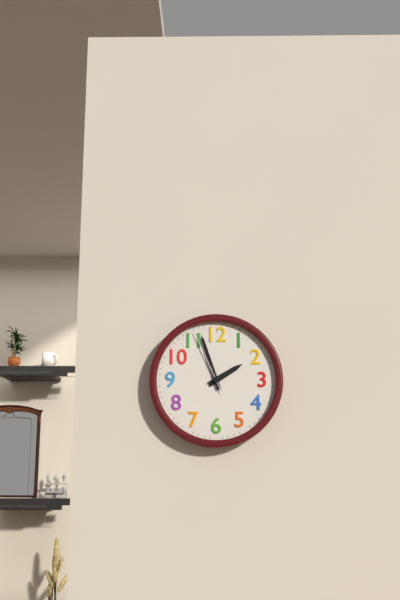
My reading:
{"hour": 1, "minute": 57, "second": 56}
